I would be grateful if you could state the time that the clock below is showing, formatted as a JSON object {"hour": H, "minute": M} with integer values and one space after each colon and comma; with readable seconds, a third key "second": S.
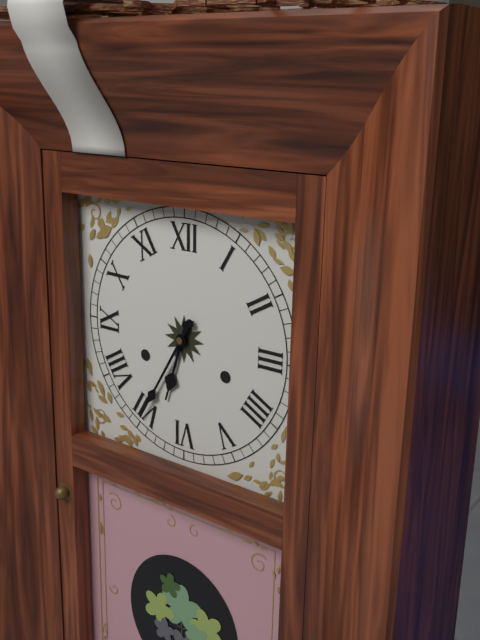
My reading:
{"hour": 6, "minute": 35}
